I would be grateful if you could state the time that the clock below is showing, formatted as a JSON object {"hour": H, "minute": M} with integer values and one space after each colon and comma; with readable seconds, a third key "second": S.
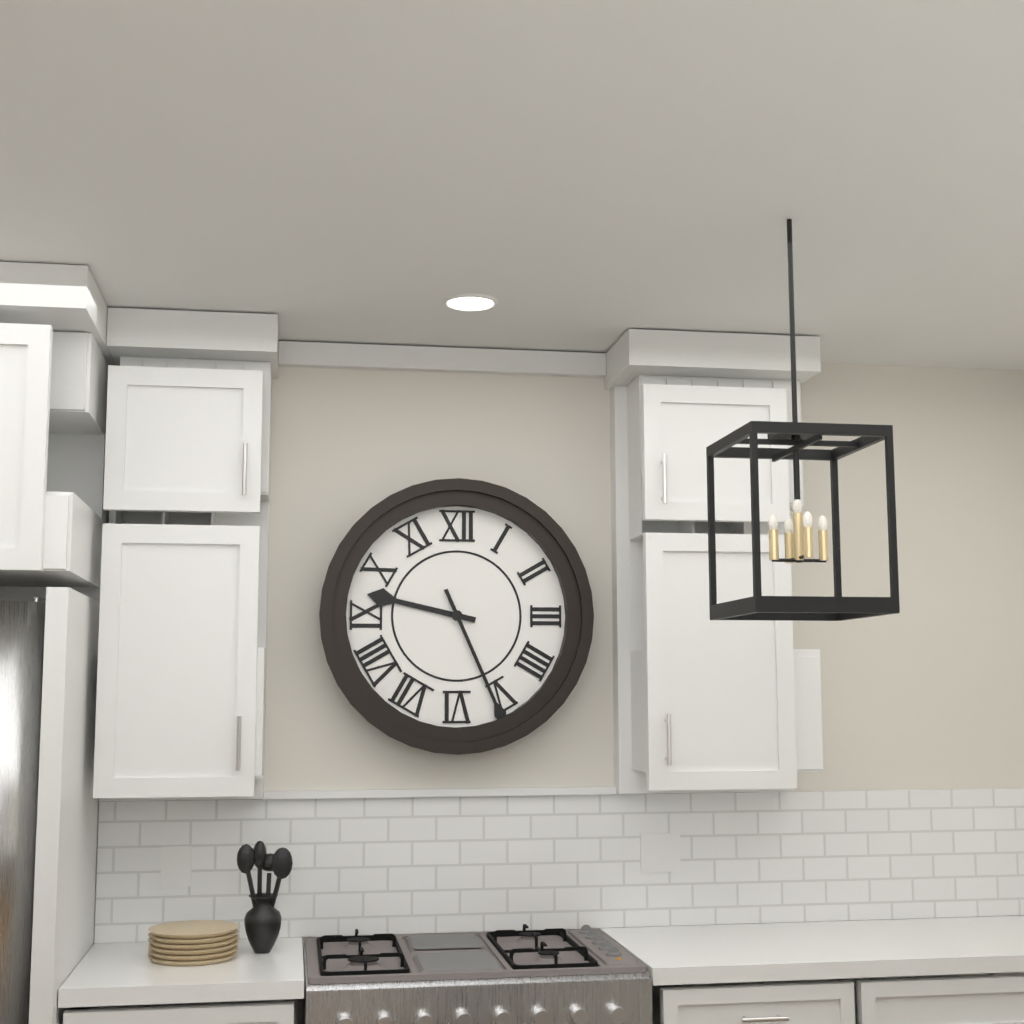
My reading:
{"hour": 9, "minute": 26}
